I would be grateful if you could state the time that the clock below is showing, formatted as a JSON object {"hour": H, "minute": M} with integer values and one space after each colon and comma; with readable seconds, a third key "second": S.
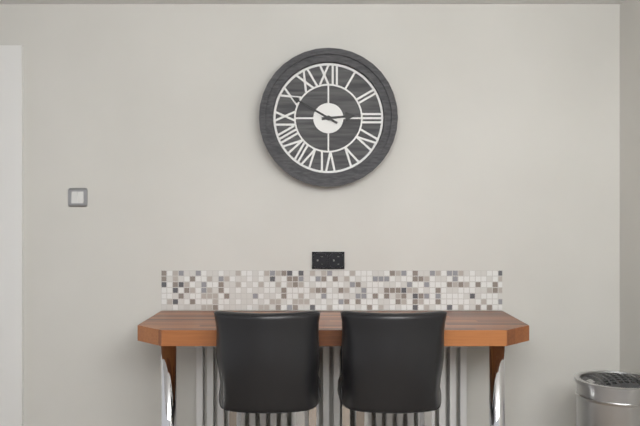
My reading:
{"hour": 2, "minute": 50}
